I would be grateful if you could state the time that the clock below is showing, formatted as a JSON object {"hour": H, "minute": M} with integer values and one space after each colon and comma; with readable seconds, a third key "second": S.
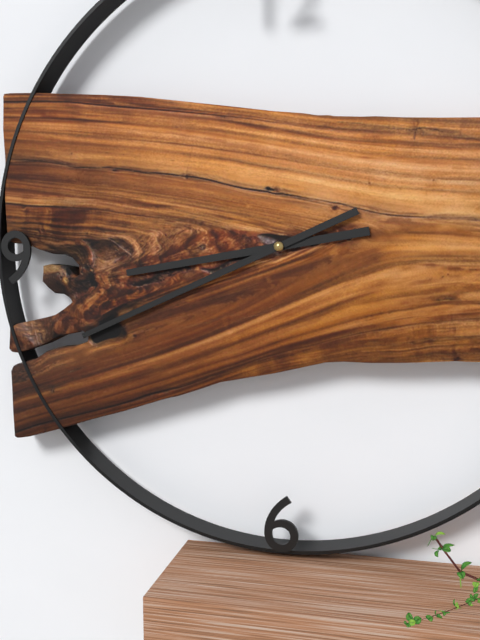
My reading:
{"hour": 8, "minute": 41}
